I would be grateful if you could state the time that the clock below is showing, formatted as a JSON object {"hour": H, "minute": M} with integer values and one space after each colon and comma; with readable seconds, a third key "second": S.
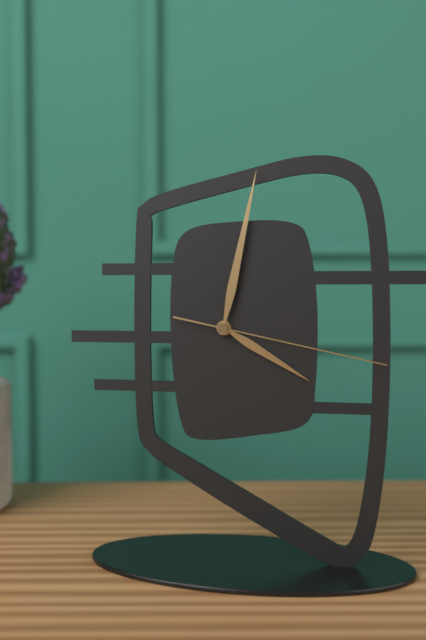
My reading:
{"hour": 4, "minute": 2, "second": 17}
